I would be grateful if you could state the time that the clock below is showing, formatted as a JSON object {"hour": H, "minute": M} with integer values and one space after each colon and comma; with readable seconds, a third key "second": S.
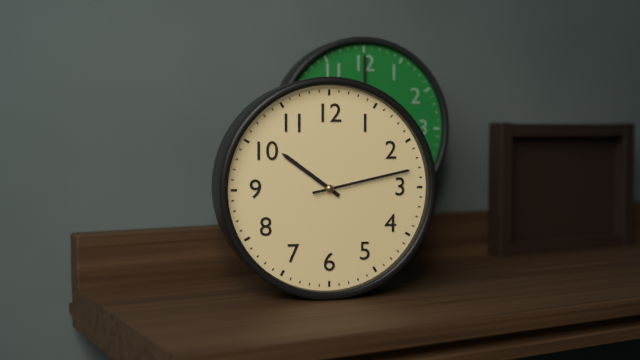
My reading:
{"hour": 10, "minute": 13}
